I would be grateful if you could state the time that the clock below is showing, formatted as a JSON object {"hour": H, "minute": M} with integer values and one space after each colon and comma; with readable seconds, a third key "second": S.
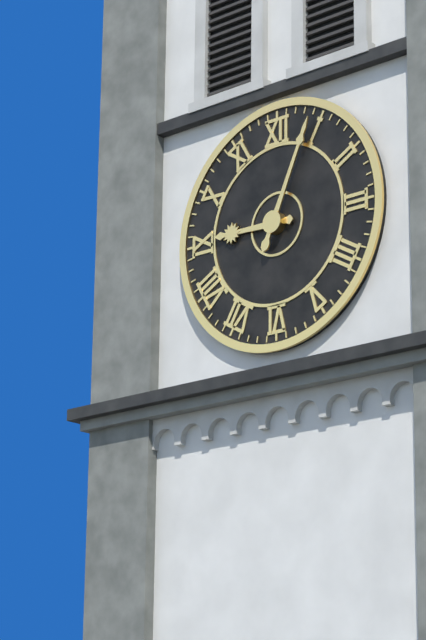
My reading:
{"hour": 9, "minute": 4}
